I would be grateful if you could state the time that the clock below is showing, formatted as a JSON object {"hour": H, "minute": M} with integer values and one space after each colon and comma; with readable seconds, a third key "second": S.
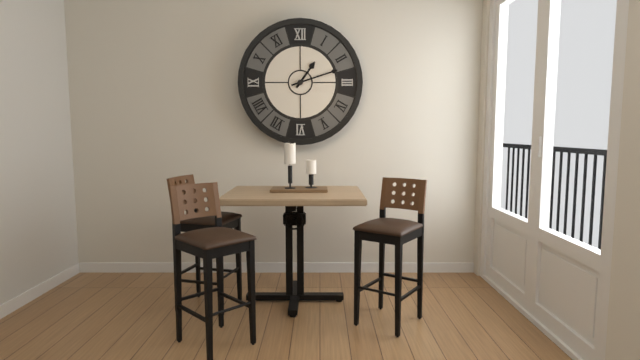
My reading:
{"hour": 1, "minute": 12}
